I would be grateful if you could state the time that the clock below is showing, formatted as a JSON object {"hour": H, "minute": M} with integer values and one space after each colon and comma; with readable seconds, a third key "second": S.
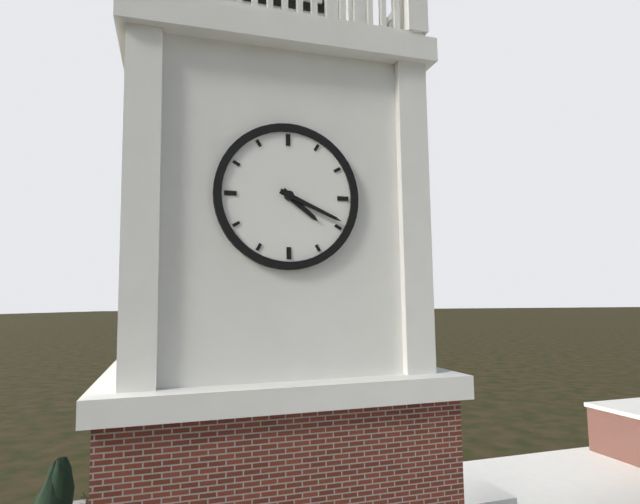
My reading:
{"hour": 4, "minute": 19}
